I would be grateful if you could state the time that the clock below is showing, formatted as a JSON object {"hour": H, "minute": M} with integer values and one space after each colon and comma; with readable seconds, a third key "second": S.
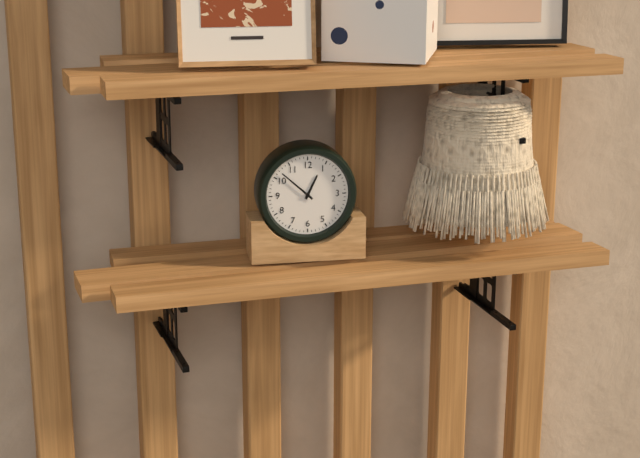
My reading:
{"hour": 12, "minute": 52}
